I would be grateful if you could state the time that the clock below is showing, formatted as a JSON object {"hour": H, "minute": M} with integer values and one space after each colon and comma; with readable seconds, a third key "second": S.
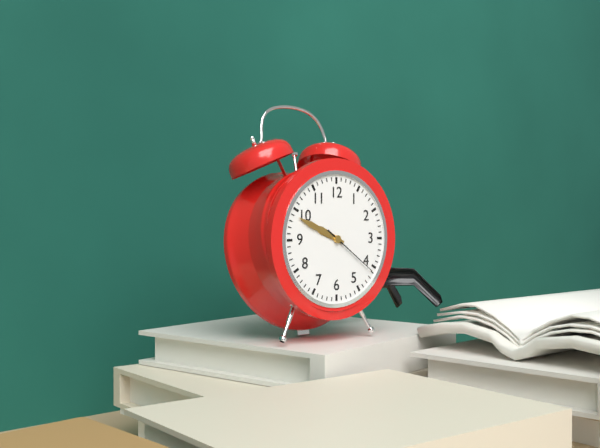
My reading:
{"hour": 9, "minute": 49, "second": 21}
